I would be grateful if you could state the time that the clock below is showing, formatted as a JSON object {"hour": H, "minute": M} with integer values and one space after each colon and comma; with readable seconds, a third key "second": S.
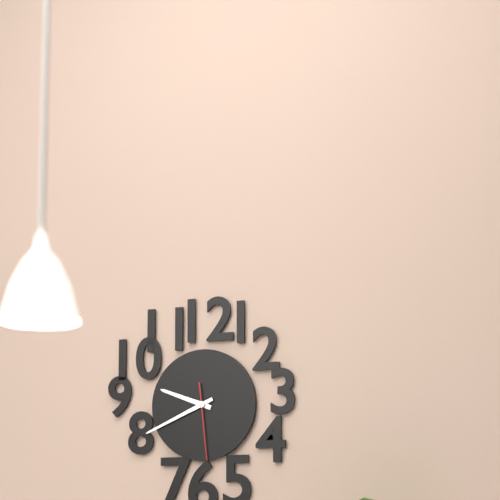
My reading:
{"hour": 9, "minute": 41, "second": 29}
